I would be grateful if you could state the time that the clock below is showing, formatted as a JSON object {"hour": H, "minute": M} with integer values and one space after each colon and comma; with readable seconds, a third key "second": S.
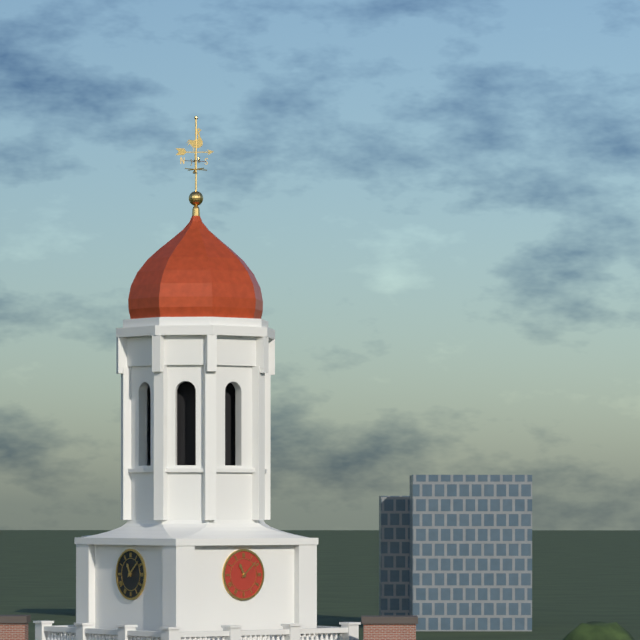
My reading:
{"hour": 11, "minute": 8}
